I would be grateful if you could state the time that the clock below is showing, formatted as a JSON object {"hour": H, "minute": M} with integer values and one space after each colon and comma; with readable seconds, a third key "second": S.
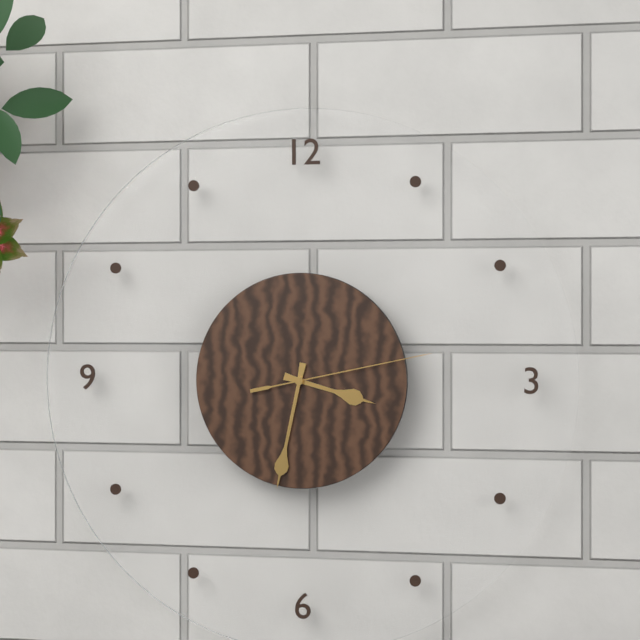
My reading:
{"hour": 3, "minute": 32, "second": 13}
